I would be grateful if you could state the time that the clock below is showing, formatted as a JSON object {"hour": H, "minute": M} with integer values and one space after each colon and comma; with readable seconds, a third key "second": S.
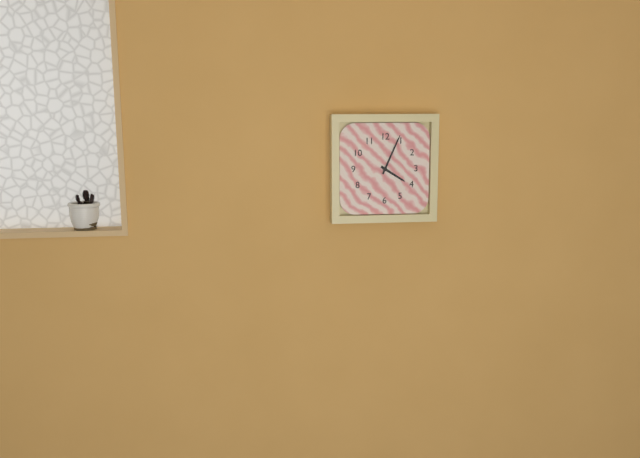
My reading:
{"hour": 4, "minute": 4}
